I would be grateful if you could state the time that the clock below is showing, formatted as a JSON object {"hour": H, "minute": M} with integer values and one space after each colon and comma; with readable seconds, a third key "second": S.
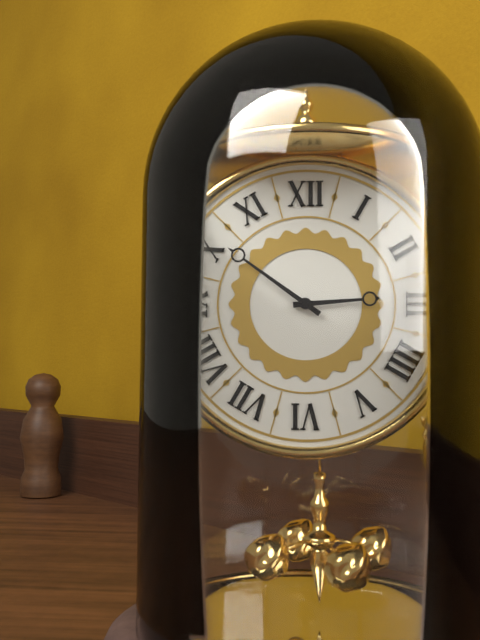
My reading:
{"hour": 2, "minute": 51}
